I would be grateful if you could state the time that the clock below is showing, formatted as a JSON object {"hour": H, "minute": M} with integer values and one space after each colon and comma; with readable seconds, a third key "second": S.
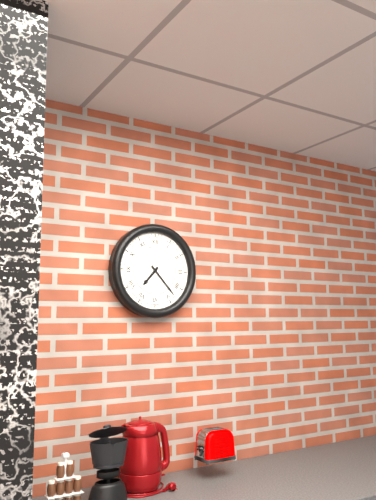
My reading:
{"hour": 7, "minute": 23}
